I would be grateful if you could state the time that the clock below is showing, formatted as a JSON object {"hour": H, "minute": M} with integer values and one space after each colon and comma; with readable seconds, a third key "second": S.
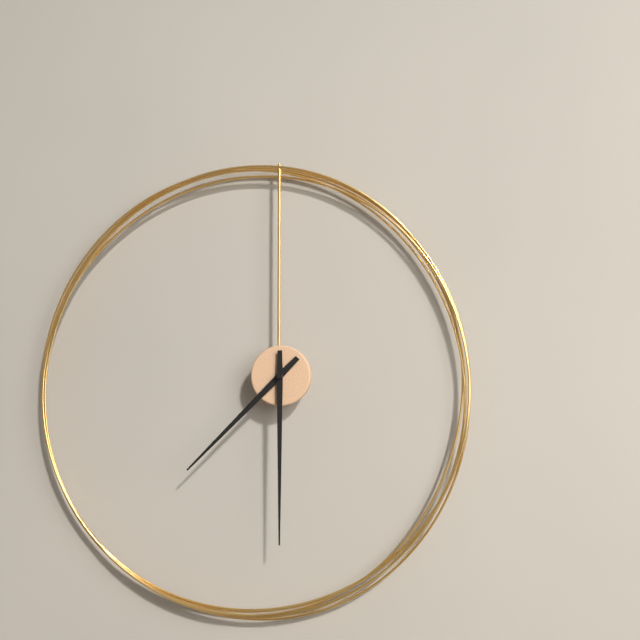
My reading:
{"hour": 7, "minute": 30}
